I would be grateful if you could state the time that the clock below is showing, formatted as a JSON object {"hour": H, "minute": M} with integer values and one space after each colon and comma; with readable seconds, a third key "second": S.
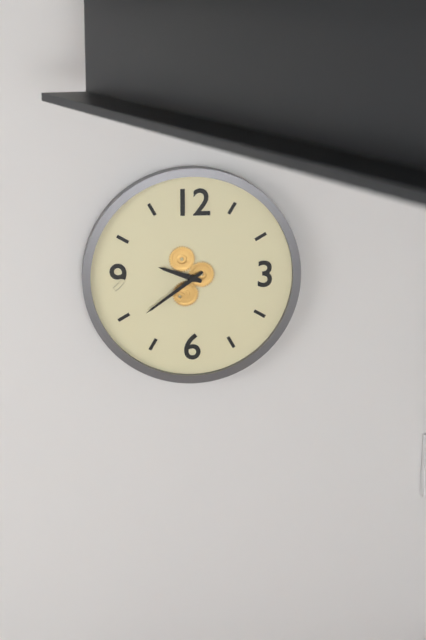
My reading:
{"hour": 9, "minute": 39}
